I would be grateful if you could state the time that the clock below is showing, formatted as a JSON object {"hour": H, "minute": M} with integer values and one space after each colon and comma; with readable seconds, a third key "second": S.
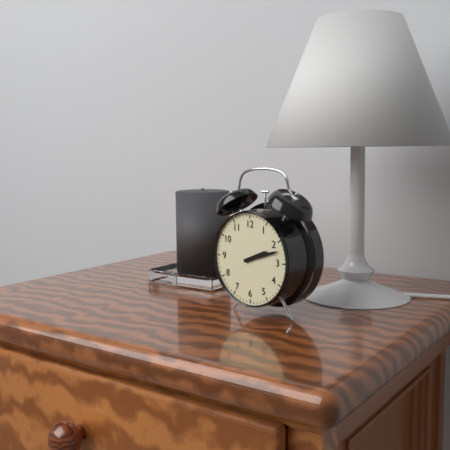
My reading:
{"hour": 2, "minute": 12}
